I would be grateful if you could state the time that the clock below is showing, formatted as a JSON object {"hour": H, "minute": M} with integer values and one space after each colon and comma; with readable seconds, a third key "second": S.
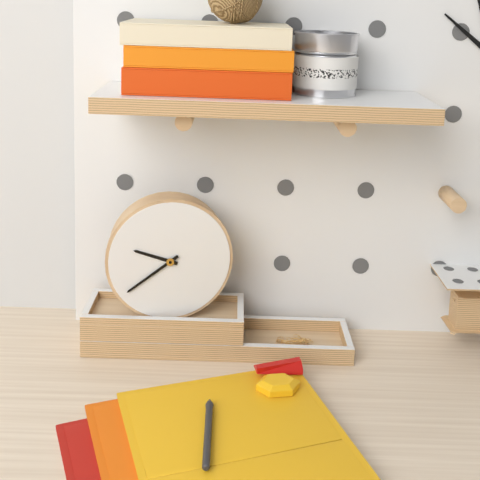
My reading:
{"hour": 9, "minute": 39}
